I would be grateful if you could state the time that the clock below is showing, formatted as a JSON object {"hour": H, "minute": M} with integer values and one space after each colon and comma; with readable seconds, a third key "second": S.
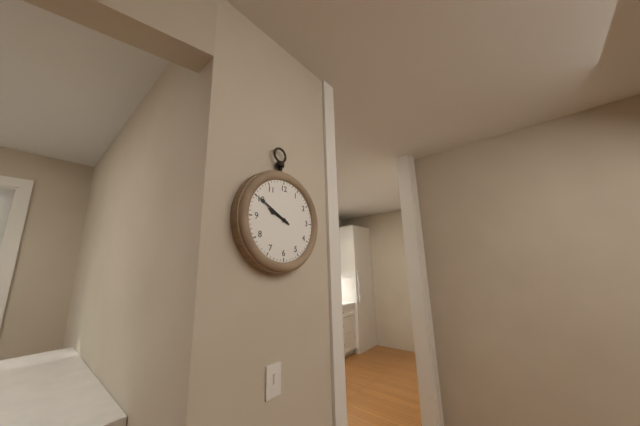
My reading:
{"hour": 9, "minute": 50}
